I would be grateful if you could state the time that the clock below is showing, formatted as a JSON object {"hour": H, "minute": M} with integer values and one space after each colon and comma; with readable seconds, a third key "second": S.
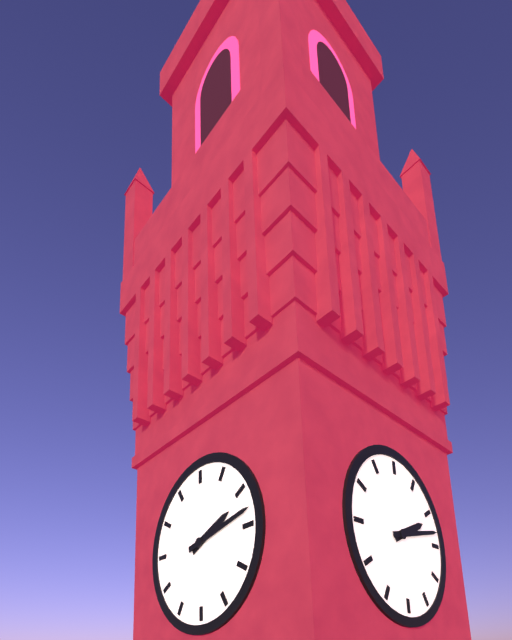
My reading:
{"hour": 2, "minute": 13}
